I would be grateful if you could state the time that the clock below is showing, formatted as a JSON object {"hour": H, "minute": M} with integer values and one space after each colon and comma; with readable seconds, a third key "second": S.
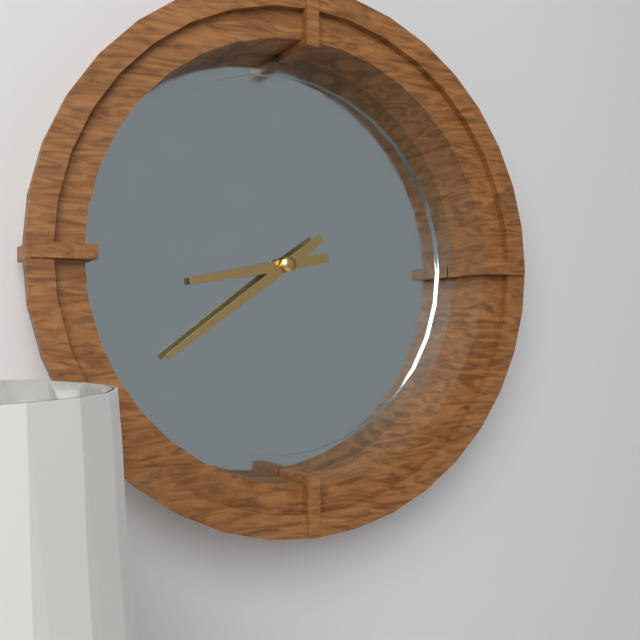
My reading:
{"hour": 8, "minute": 39}
